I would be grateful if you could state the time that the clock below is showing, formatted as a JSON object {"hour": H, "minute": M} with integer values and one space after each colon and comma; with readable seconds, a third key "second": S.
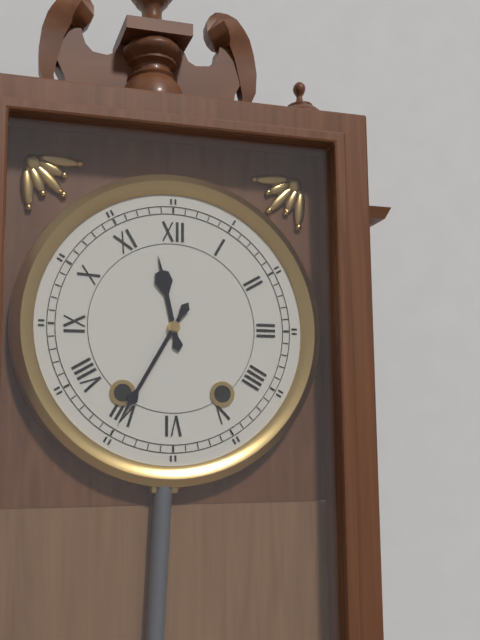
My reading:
{"hour": 11, "minute": 35}
